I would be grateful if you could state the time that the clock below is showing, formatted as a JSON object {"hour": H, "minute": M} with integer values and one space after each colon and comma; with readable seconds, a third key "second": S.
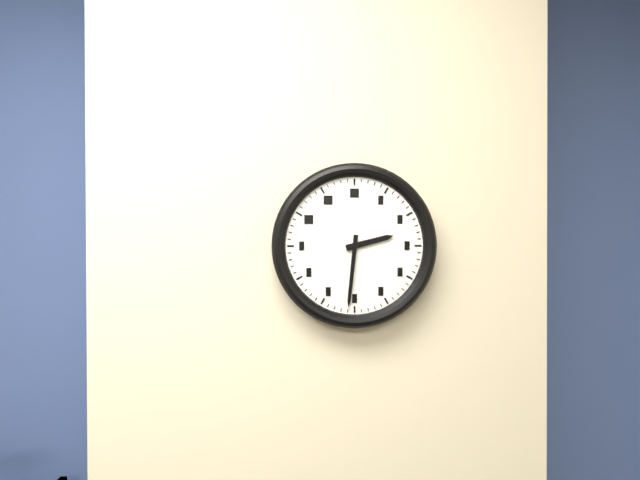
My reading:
{"hour": 2, "minute": 31}
